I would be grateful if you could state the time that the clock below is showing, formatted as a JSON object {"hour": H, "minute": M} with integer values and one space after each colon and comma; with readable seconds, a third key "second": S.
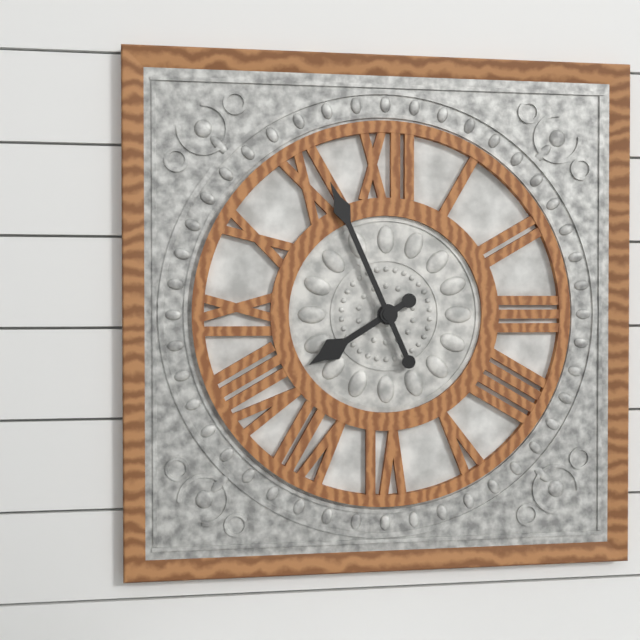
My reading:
{"hour": 7, "minute": 56}
